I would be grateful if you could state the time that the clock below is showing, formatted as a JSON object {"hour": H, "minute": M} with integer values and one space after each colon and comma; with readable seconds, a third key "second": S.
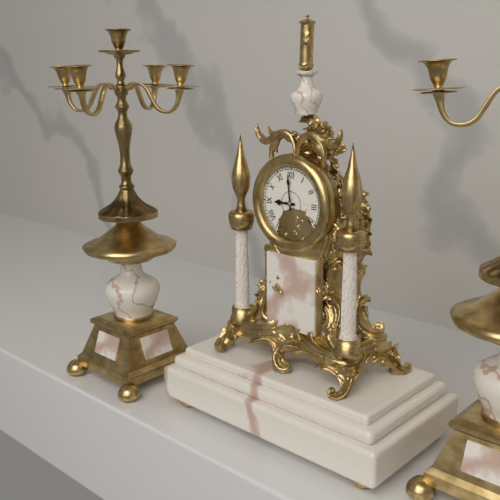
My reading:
{"hour": 8, "minute": 59}
